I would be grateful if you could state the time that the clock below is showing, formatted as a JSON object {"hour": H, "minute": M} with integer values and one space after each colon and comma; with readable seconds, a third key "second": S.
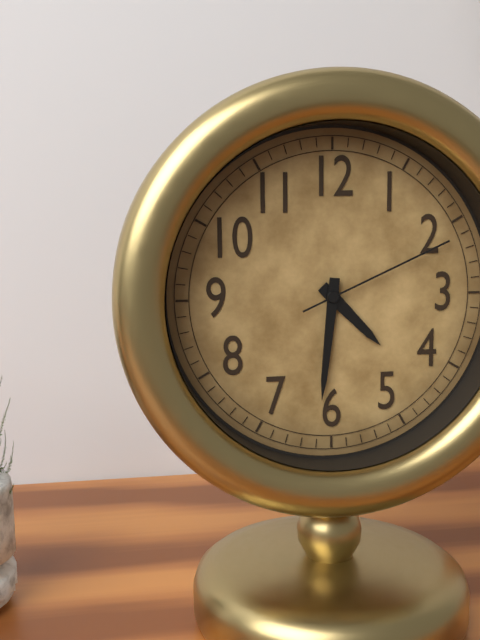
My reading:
{"hour": 4, "minute": 31, "second": 11}
